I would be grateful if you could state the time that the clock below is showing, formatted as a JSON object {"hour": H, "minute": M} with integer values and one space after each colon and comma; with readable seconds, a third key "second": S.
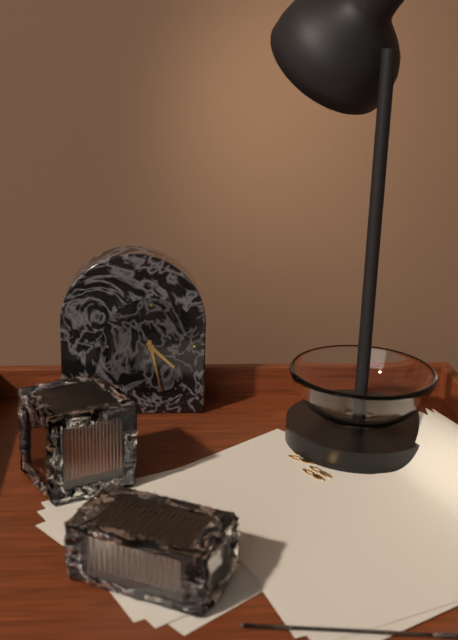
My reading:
{"hour": 4, "minute": 28}
